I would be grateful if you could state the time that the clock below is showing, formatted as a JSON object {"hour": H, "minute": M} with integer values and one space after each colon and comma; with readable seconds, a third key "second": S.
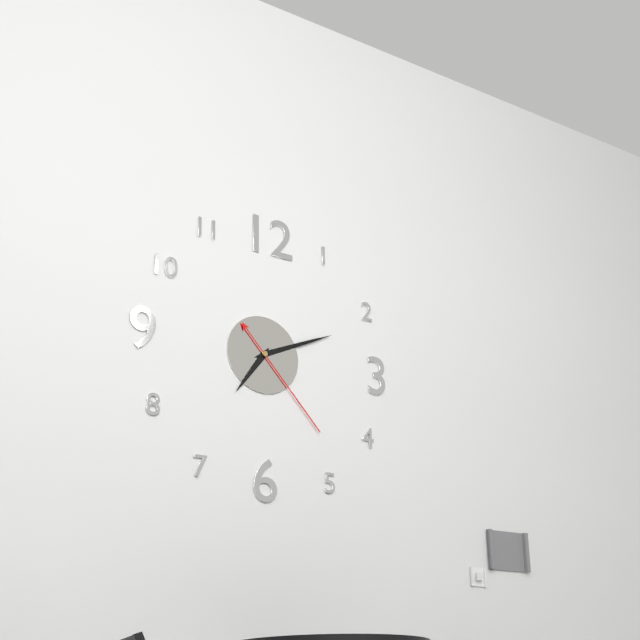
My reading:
{"hour": 7, "minute": 11, "second": 23}
